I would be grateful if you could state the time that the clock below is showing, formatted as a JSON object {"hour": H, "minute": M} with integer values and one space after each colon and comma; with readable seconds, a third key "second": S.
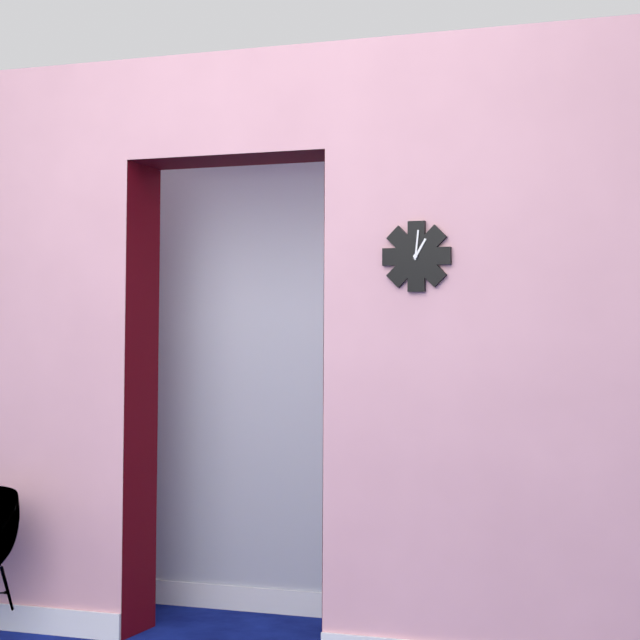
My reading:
{"hour": 1, "minute": 1}
